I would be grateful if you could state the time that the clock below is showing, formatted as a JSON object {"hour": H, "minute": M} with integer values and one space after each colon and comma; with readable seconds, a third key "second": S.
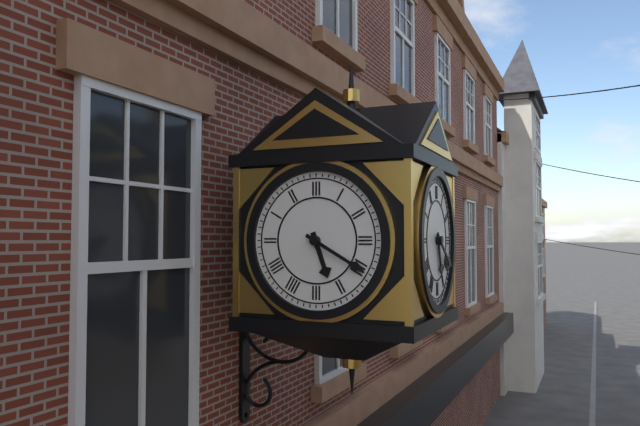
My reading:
{"hour": 5, "minute": 20}
